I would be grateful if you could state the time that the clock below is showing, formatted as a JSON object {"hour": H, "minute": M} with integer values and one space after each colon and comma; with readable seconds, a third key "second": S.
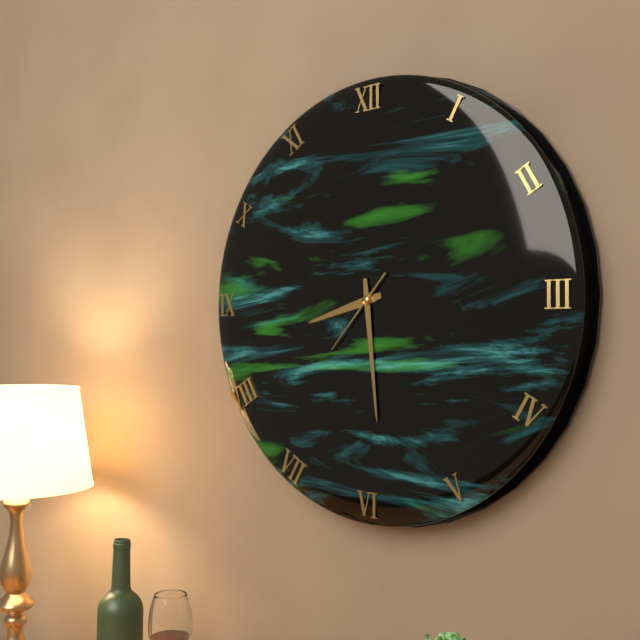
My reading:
{"hour": 8, "minute": 29, "second": 37}
